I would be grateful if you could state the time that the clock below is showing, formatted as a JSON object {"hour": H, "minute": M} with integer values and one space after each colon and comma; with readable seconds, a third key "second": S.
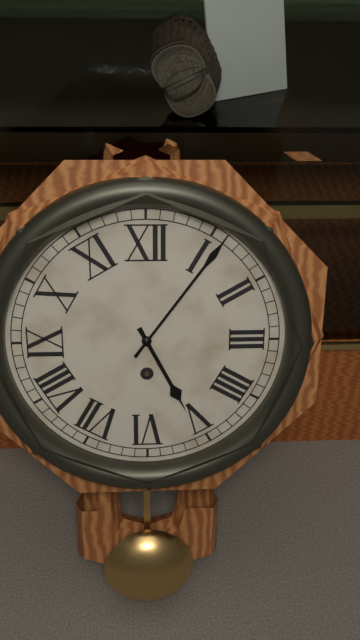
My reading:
{"hour": 5, "minute": 6}
